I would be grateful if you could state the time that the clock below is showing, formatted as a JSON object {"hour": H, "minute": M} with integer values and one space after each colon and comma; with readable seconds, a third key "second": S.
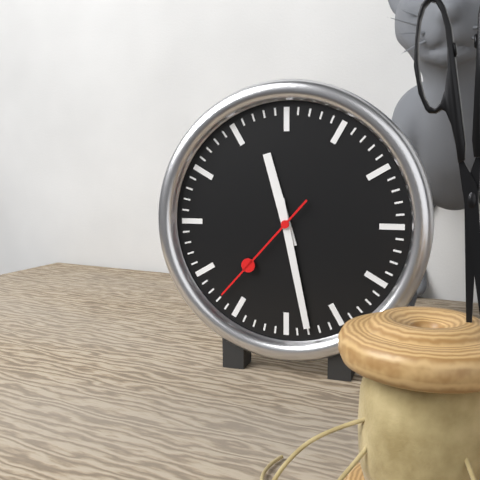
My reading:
{"hour": 11, "minute": 28, "second": 37}
